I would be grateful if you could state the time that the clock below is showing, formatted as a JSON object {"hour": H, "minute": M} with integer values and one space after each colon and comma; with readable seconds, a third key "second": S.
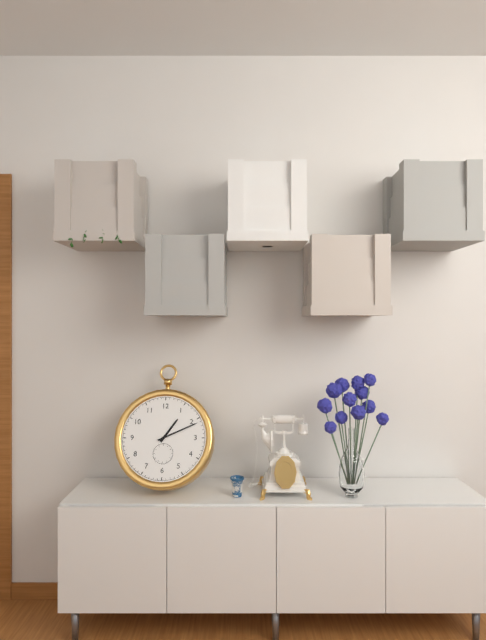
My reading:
{"hour": 1, "minute": 11}
